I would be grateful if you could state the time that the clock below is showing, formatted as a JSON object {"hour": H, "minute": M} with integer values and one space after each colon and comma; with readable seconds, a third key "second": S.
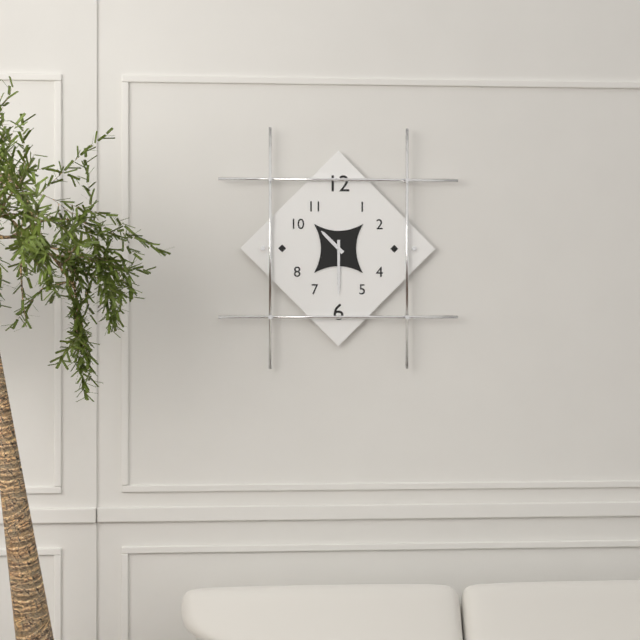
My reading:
{"hour": 10, "minute": 30}
